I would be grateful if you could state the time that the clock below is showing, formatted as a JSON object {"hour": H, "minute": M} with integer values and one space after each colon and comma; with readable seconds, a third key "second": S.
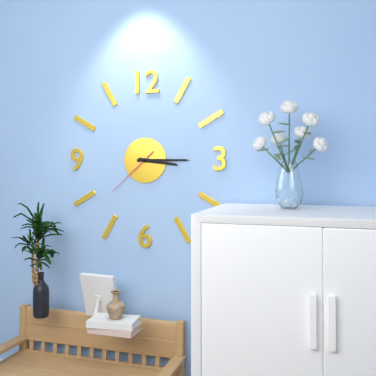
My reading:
{"hour": 3, "minute": 15, "second": 38}
